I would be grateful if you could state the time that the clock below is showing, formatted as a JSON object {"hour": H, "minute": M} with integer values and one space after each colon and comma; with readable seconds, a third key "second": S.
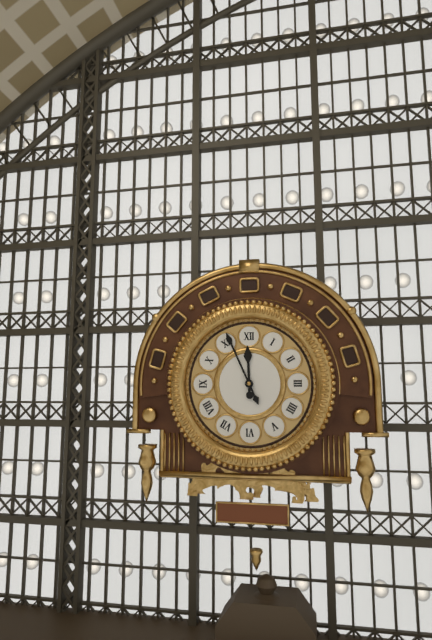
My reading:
{"hour": 11, "minute": 56}
